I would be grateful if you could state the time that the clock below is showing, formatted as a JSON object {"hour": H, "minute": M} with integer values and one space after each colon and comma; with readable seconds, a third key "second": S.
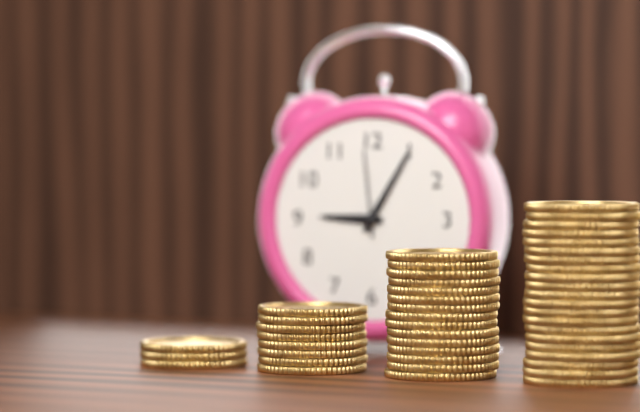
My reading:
{"hour": 9, "minute": 5, "second": 59}
